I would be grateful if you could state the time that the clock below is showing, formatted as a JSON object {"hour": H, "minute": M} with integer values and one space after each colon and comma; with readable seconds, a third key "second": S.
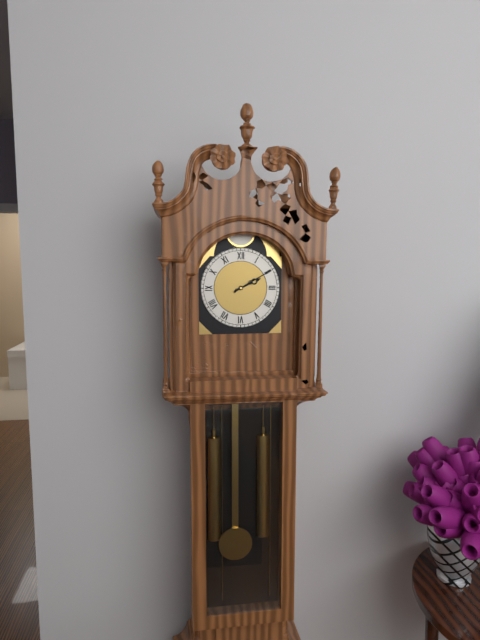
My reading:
{"hour": 2, "minute": 10}
